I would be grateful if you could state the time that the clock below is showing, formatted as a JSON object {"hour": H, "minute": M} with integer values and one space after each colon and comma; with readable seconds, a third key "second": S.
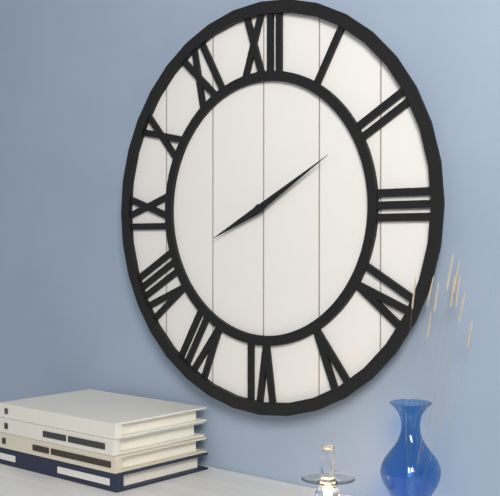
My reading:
{"hour": 8, "minute": 10}
